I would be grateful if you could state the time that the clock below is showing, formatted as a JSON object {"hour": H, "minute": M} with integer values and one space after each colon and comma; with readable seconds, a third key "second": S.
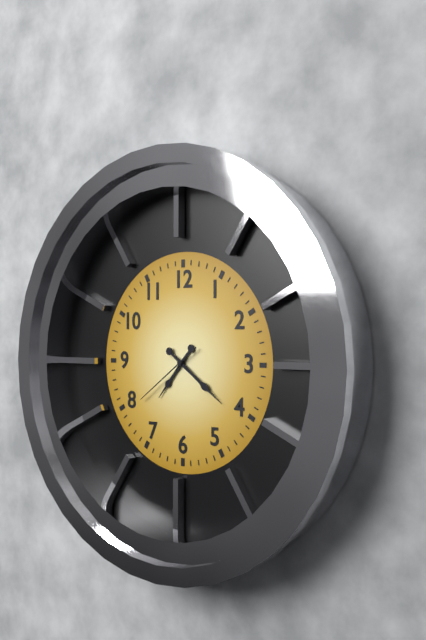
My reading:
{"hour": 7, "minute": 21, "second": 39}
